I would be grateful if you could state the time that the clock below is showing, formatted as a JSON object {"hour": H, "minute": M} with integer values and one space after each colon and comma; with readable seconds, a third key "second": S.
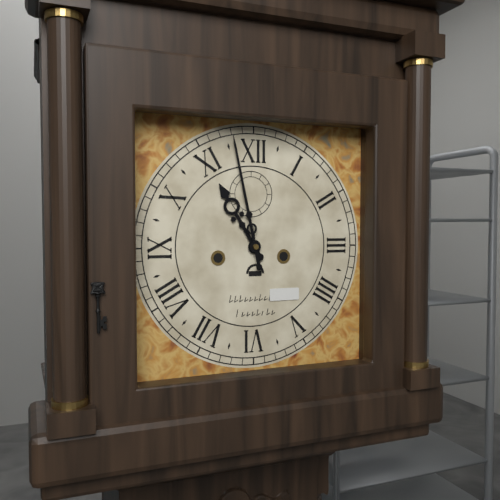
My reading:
{"hour": 10, "minute": 58}
